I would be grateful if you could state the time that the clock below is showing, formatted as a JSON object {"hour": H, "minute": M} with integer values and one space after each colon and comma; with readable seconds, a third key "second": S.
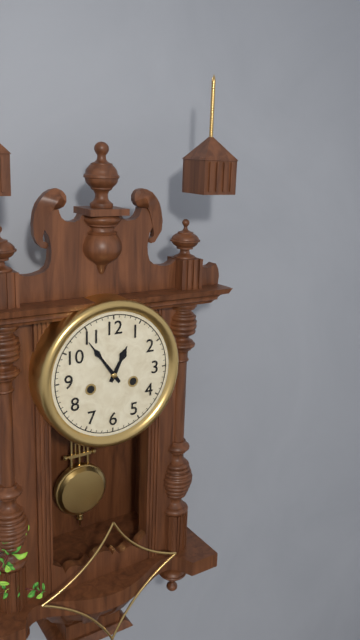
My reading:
{"hour": 12, "minute": 54}
